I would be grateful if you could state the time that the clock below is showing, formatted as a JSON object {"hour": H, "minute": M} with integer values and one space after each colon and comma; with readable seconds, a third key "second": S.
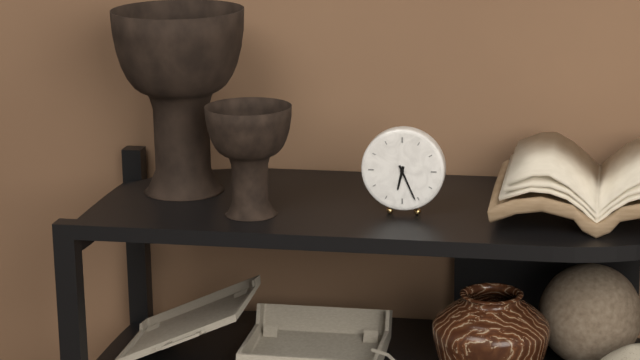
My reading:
{"hour": 6, "minute": 26}
